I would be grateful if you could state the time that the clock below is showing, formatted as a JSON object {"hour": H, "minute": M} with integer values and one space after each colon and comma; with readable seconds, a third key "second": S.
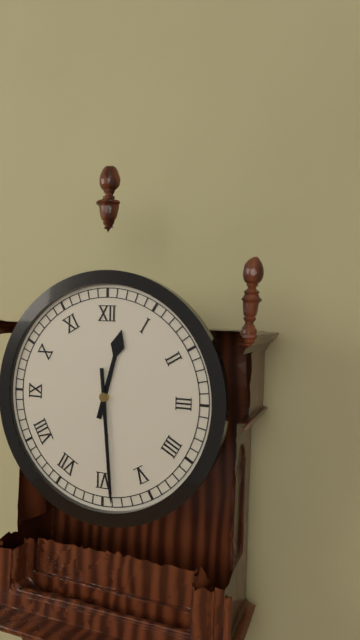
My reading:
{"hour": 12, "minute": 29}
